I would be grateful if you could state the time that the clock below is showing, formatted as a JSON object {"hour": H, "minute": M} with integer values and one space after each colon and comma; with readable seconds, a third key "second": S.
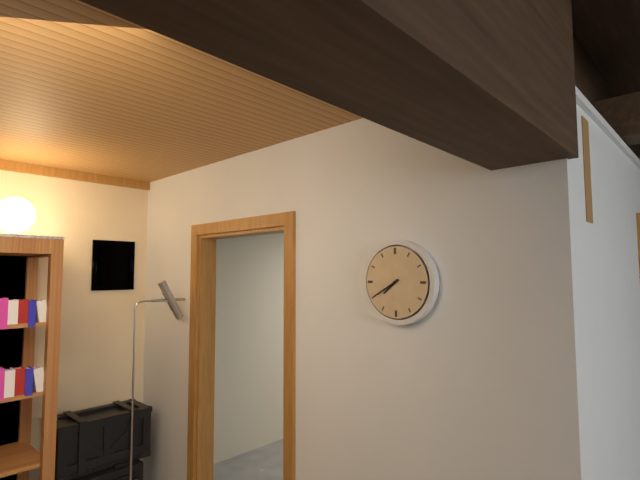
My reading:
{"hour": 7, "minute": 40}
